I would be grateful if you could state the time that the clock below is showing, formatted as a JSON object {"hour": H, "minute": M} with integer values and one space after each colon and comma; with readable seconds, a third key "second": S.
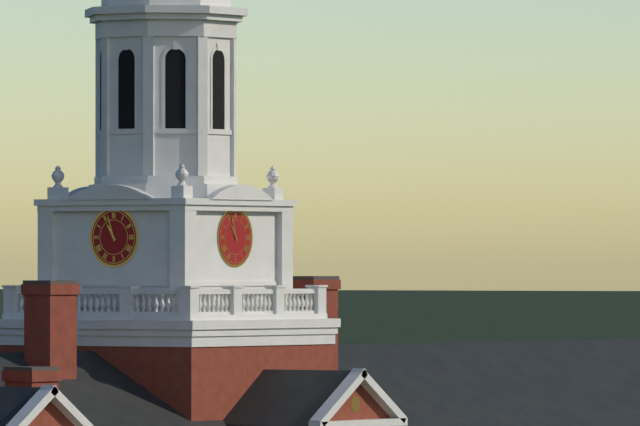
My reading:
{"hour": 10, "minute": 57}
